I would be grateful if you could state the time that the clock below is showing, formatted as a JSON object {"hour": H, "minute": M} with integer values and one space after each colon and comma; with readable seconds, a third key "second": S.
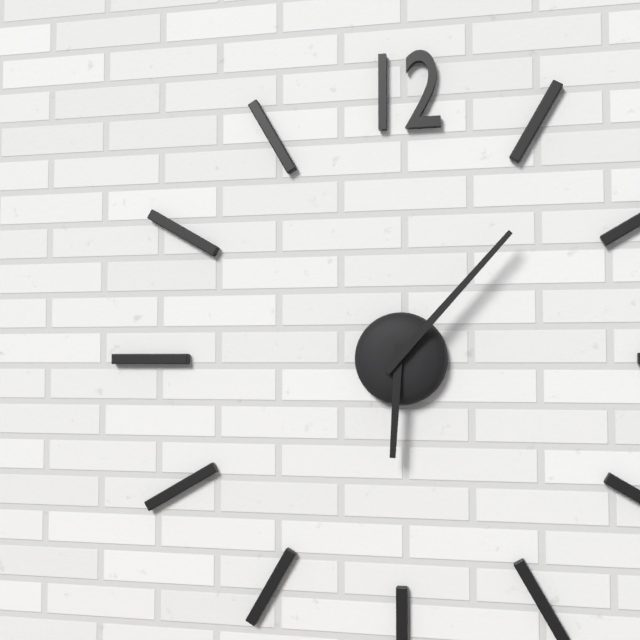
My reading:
{"hour": 6, "minute": 7}
